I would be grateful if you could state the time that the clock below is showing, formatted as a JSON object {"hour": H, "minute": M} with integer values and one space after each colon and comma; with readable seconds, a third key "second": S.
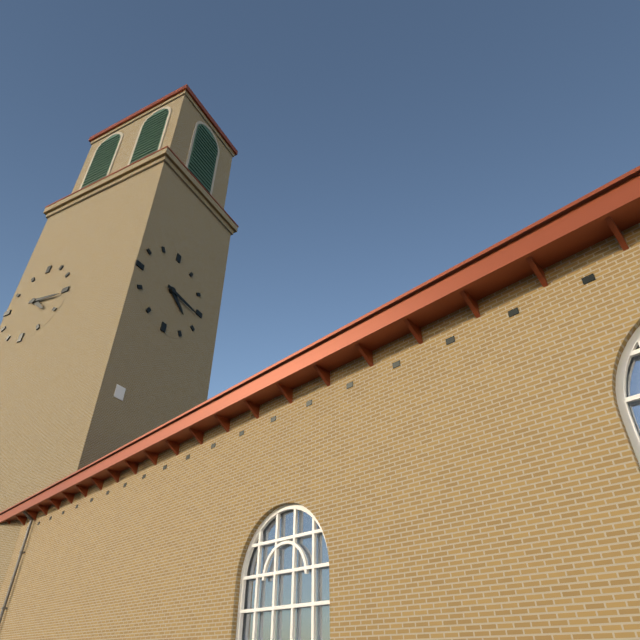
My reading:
{"hour": 4, "minute": 16}
